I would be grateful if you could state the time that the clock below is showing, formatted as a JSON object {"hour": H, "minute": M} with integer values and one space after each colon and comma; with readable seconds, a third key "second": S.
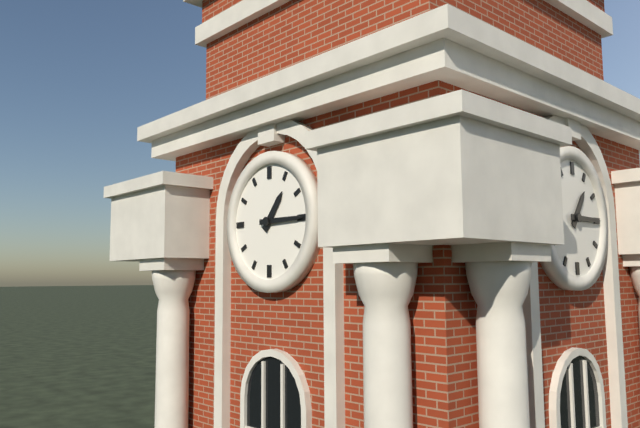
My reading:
{"hour": 1, "minute": 15}
